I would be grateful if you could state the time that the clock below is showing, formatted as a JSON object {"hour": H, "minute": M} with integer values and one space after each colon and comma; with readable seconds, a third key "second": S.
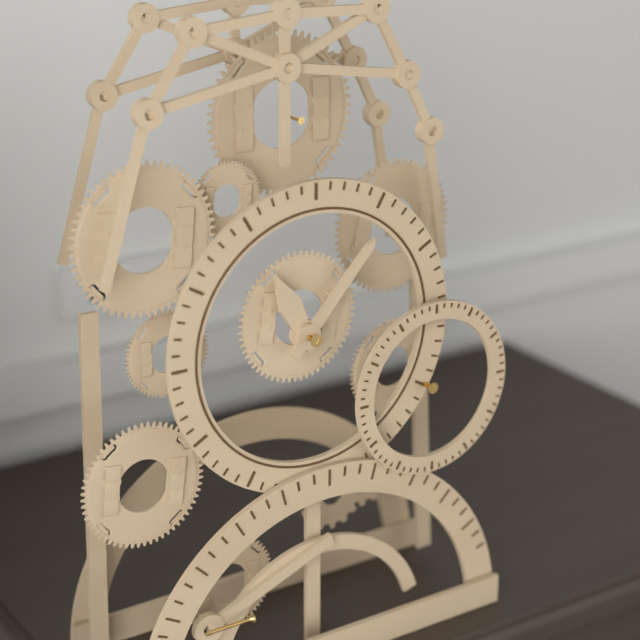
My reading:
{"hour": 11, "minute": 7}
